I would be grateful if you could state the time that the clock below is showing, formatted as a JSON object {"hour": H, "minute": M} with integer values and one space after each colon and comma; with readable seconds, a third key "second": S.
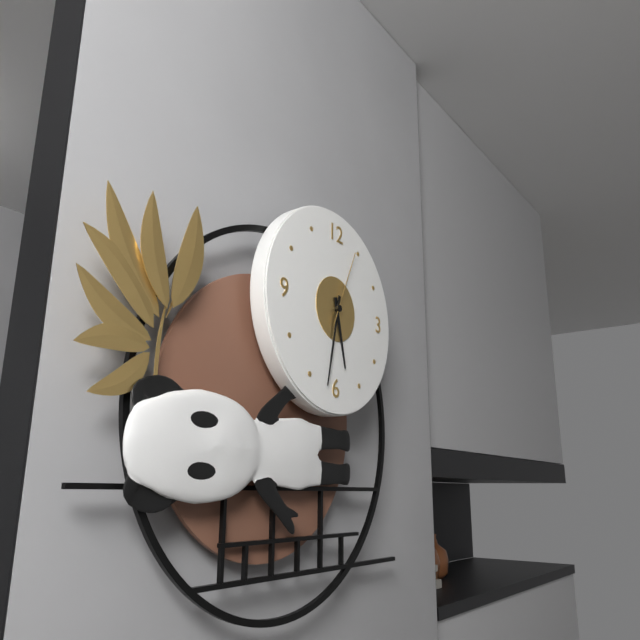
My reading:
{"hour": 5, "minute": 32, "second": 4}
